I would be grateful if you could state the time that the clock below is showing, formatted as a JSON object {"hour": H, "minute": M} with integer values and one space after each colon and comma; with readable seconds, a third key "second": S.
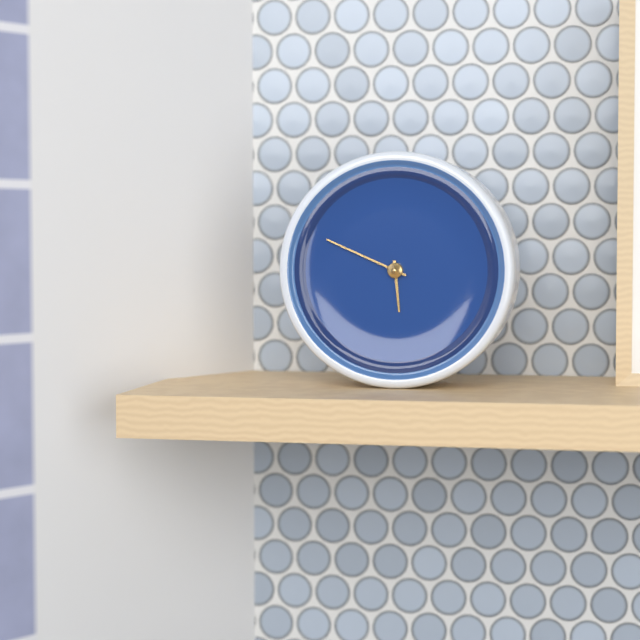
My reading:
{"hour": 5, "minute": 49}
